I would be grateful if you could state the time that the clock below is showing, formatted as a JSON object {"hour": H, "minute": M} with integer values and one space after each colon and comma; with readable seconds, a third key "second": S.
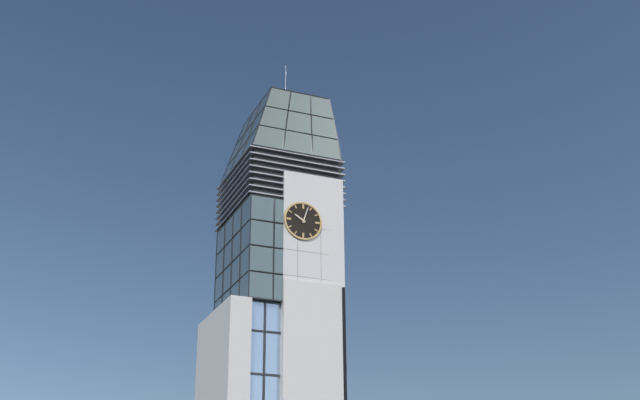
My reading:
{"hour": 10, "minute": 3}
